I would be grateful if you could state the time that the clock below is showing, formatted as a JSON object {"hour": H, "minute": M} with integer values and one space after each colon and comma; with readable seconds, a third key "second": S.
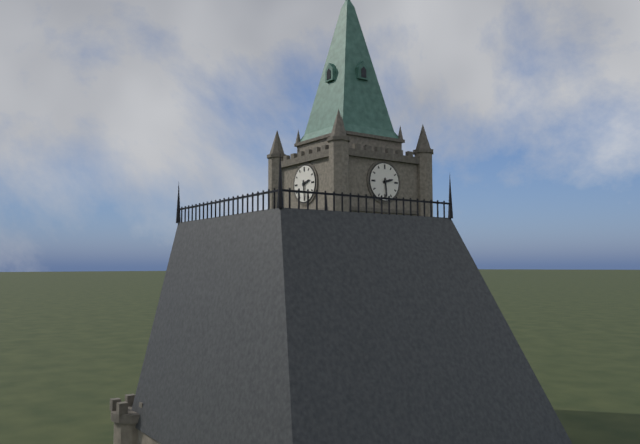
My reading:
{"hour": 2, "minute": 29}
